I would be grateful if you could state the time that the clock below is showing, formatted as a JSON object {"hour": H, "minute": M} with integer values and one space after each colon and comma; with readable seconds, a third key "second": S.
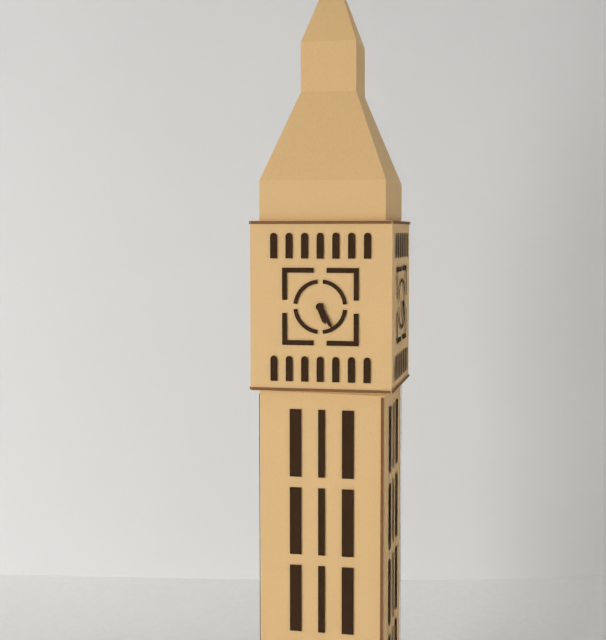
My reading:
{"hour": 5, "minute": 25}
